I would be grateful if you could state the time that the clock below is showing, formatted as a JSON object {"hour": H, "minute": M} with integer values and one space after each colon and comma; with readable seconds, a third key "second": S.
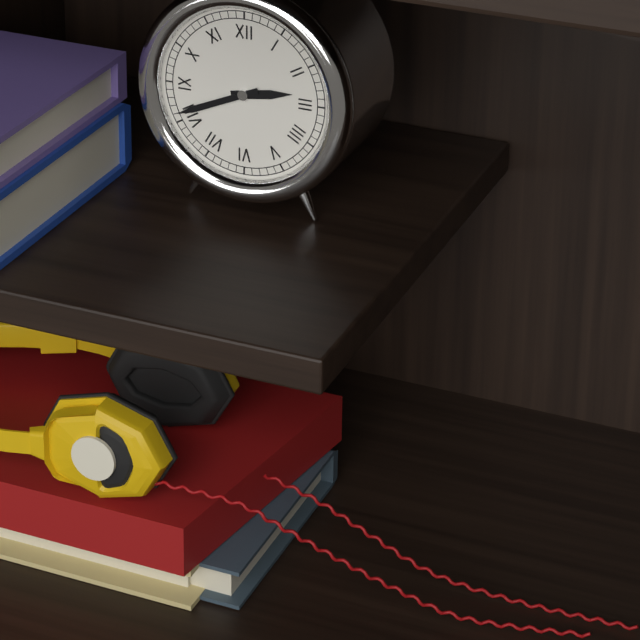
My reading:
{"hour": 2, "minute": 41}
